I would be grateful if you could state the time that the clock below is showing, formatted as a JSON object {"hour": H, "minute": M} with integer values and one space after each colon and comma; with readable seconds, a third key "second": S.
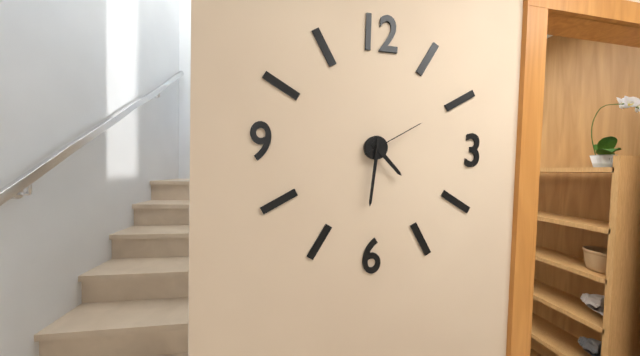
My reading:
{"hour": 4, "minute": 31, "second": 10}
